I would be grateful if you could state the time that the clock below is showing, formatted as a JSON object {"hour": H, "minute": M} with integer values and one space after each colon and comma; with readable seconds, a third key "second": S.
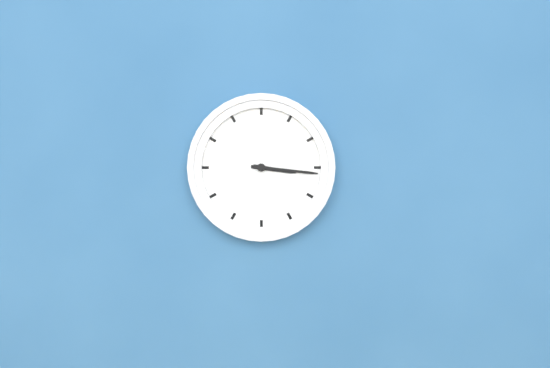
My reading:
{"hour": 3, "minute": 16}
